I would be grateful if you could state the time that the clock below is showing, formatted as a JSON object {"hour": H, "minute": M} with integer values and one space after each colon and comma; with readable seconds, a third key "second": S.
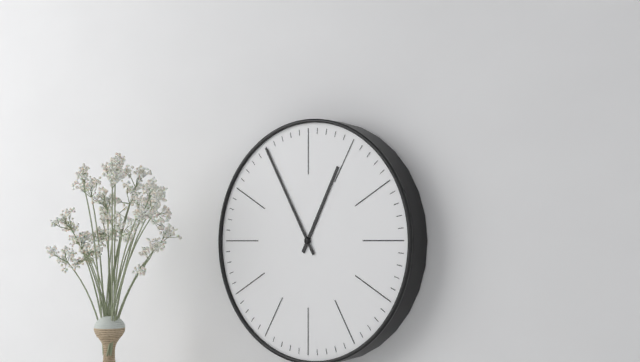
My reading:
{"hour": 12, "minute": 55}
